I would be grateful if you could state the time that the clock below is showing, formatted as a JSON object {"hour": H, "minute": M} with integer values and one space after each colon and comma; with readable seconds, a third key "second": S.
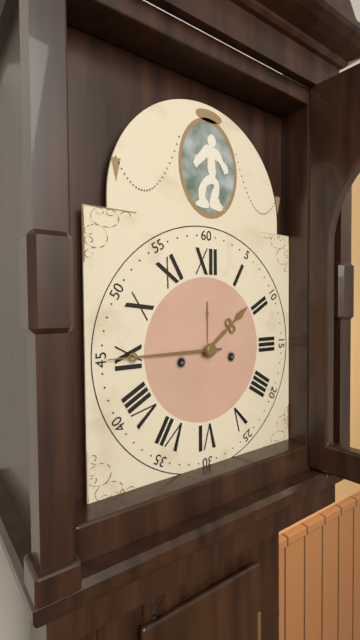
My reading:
{"hour": 1, "minute": 45}
